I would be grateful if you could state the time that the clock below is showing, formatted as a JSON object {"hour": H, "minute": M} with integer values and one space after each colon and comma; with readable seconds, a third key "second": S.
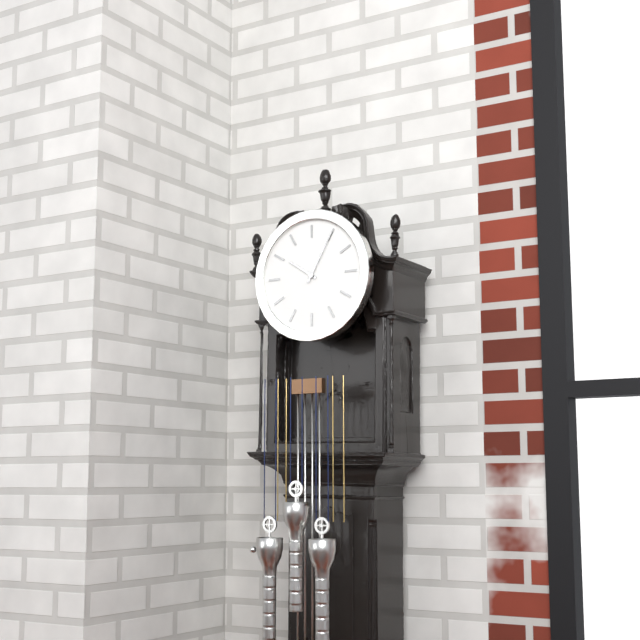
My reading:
{"hour": 10, "minute": 5}
